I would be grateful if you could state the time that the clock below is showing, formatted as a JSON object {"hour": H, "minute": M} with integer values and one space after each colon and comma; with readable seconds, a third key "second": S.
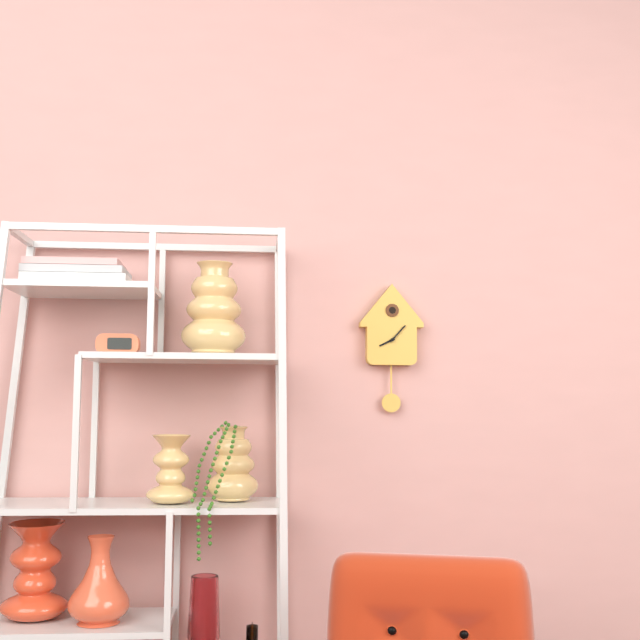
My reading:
{"hour": 8, "minute": 7}
